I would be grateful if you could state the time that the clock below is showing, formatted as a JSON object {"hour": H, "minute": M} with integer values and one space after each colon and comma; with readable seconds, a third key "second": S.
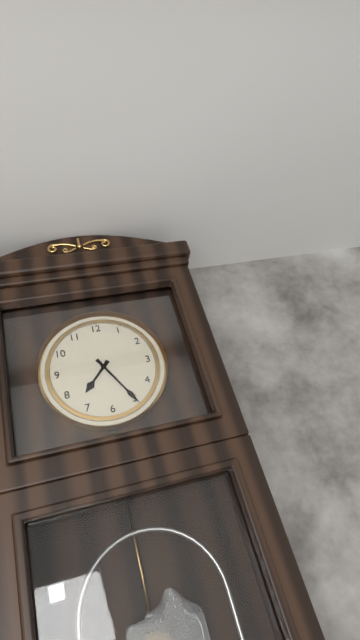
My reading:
{"hour": 7, "minute": 25}
